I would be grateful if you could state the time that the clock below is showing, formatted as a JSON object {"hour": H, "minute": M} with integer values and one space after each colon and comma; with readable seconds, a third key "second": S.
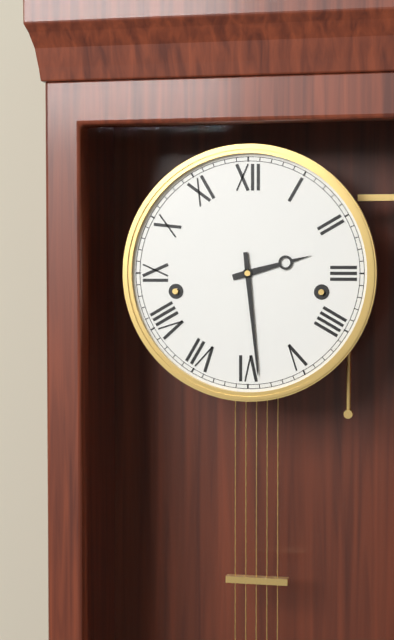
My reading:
{"hour": 2, "minute": 29}
